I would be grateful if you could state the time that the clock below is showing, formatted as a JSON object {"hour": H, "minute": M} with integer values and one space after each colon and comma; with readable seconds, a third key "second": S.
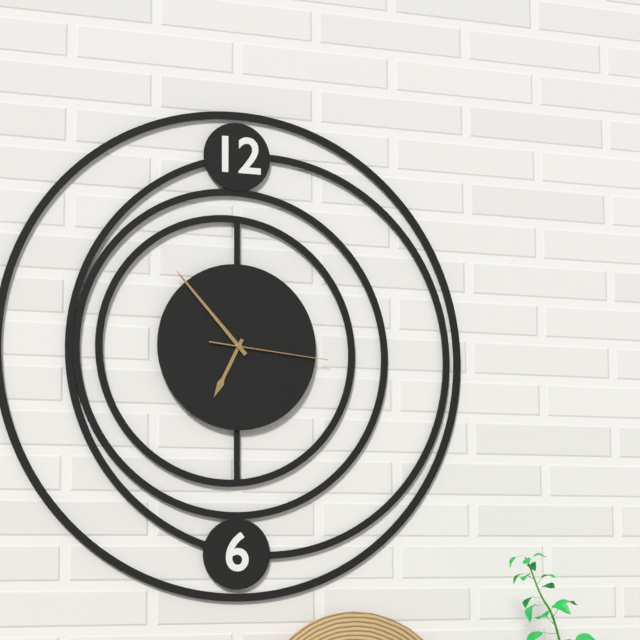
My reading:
{"hour": 6, "minute": 53, "second": 16}
